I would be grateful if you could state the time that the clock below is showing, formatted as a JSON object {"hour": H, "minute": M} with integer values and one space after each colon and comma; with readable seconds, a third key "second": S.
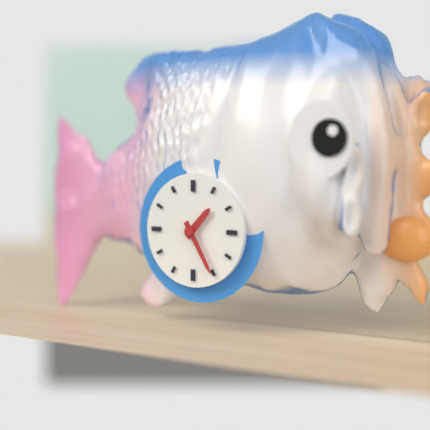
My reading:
{"hour": 1, "minute": 25}
